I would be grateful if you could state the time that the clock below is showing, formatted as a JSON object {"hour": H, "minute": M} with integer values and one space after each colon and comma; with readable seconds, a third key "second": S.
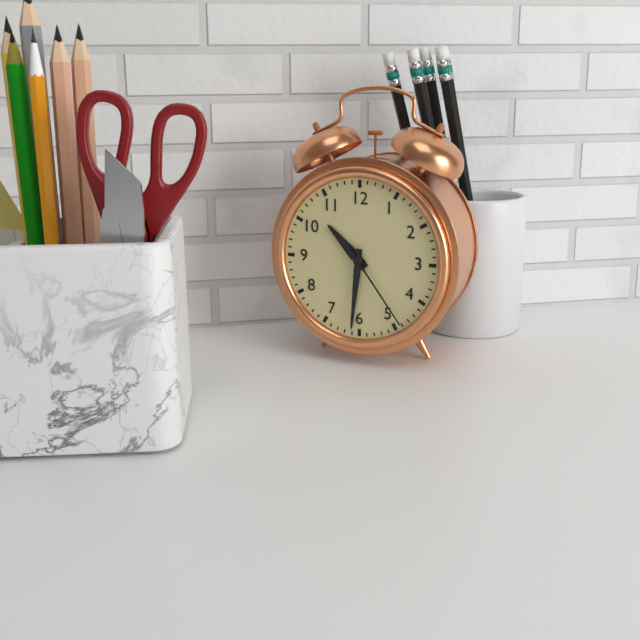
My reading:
{"hour": 10, "minute": 31, "second": 24}
